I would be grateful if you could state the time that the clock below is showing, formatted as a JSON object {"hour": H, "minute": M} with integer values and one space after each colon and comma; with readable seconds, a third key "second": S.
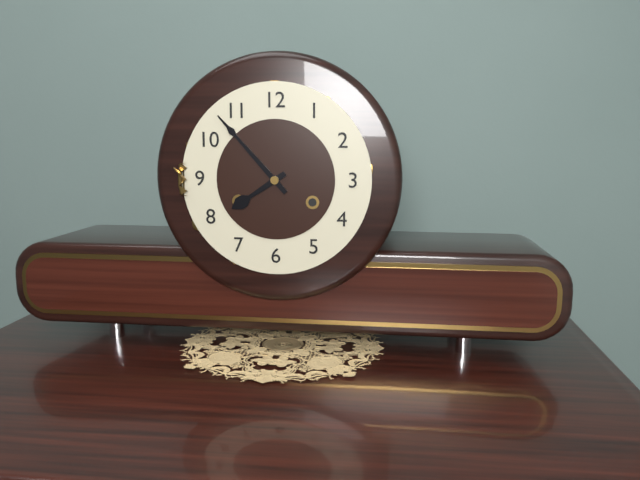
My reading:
{"hour": 7, "minute": 53}
